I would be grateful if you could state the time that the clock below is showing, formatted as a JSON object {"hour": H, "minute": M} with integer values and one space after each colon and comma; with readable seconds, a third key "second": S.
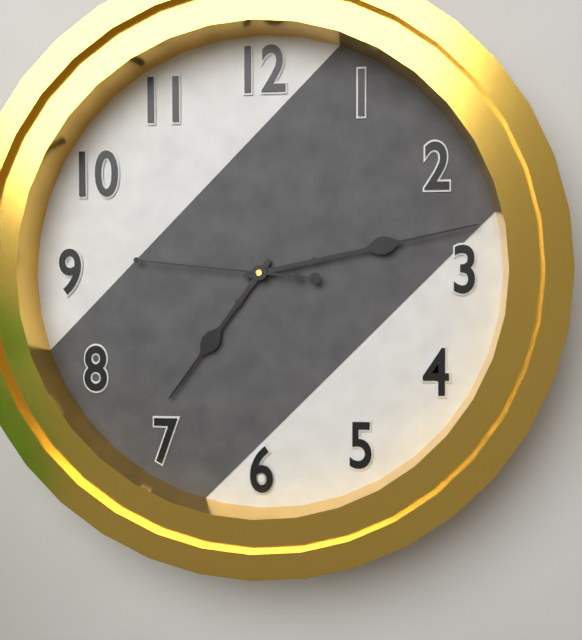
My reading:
{"hour": 7, "minute": 13, "second": 46}
